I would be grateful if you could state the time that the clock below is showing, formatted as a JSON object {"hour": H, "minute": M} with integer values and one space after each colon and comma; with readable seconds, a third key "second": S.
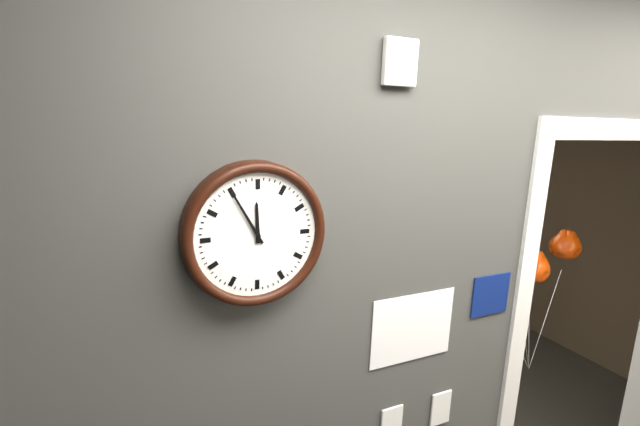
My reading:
{"hour": 11, "minute": 55}
